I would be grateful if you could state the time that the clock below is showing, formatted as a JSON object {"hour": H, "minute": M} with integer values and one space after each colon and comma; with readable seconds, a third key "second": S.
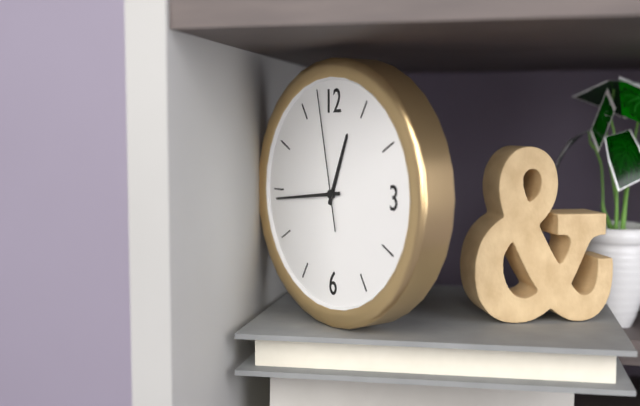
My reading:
{"hour": 12, "minute": 44, "second": 58}
